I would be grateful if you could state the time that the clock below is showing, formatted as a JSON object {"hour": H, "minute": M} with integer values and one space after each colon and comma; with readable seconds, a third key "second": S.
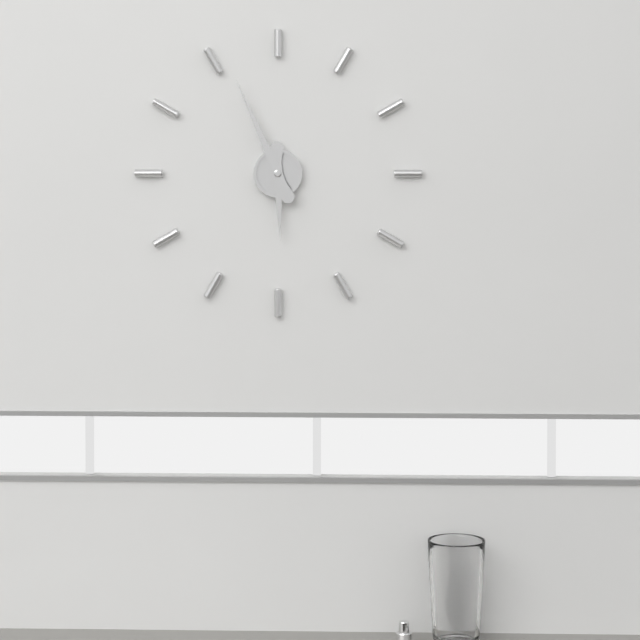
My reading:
{"hour": 5, "minute": 56}
